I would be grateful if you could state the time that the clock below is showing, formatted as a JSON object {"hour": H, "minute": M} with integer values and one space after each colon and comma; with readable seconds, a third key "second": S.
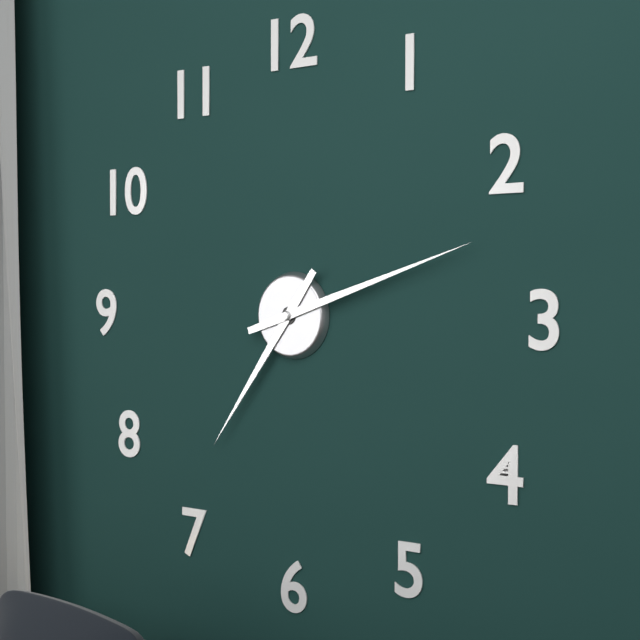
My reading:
{"hour": 7, "minute": 12}
